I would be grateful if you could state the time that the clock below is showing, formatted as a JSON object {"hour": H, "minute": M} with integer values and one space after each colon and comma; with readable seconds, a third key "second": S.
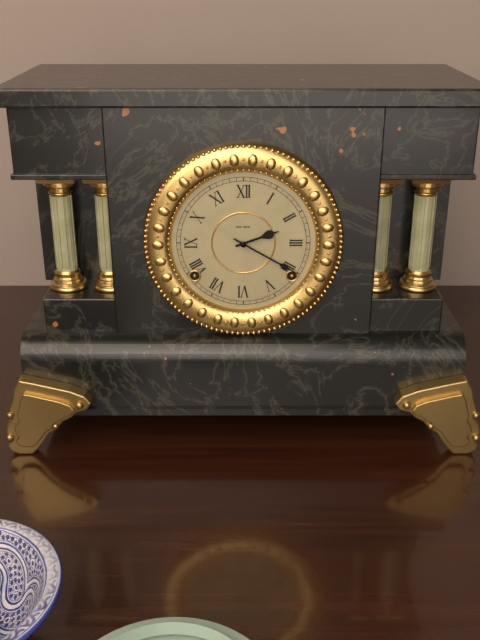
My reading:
{"hour": 2, "minute": 20}
